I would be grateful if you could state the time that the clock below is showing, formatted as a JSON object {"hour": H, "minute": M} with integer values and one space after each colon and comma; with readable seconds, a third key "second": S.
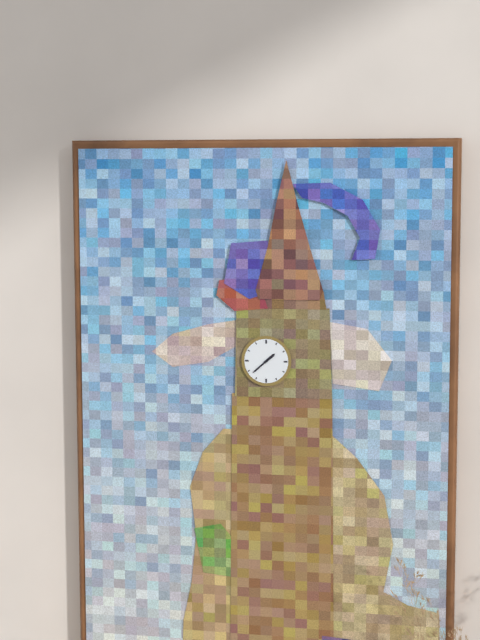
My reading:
{"hour": 1, "minute": 38}
